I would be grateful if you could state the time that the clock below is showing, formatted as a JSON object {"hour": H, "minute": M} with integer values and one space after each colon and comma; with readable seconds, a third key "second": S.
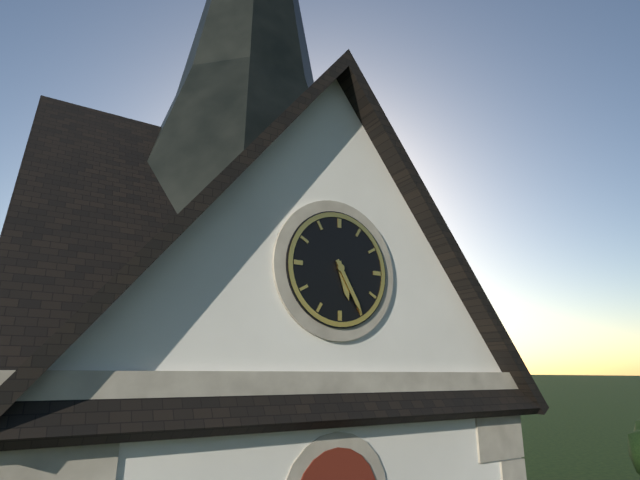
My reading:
{"hour": 5, "minute": 25}
